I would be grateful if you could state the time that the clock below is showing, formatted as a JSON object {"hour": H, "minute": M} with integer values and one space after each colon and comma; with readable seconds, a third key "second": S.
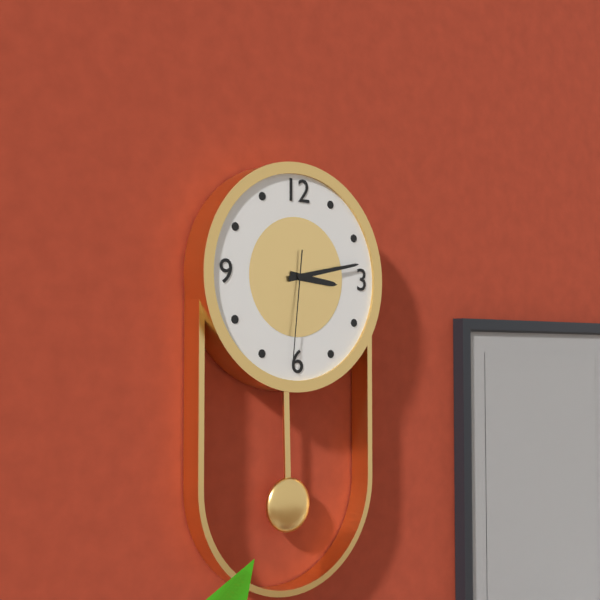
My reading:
{"hour": 3, "minute": 13, "second": 31}
